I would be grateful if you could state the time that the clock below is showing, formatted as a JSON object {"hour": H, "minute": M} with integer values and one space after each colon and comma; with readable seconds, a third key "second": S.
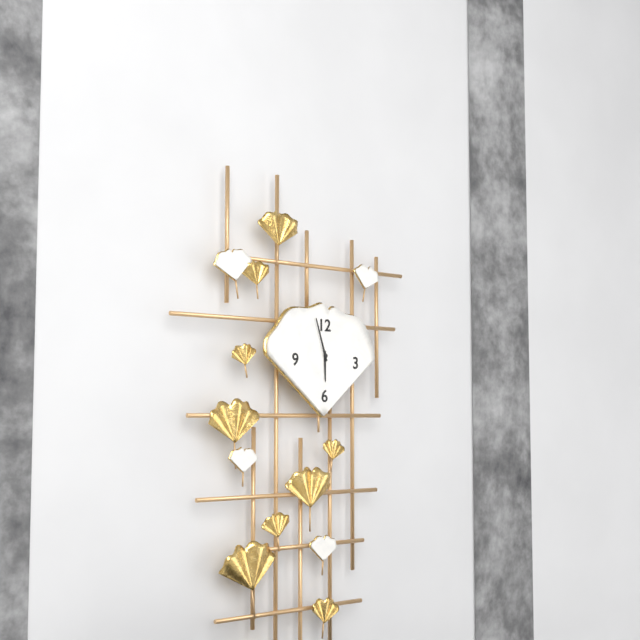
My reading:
{"hour": 5, "minute": 57}
